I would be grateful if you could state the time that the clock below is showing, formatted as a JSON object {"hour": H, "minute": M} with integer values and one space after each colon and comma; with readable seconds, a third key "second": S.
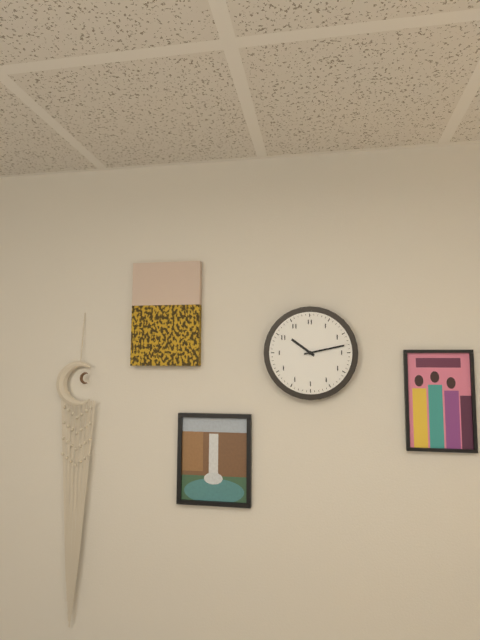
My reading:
{"hour": 10, "minute": 13}
